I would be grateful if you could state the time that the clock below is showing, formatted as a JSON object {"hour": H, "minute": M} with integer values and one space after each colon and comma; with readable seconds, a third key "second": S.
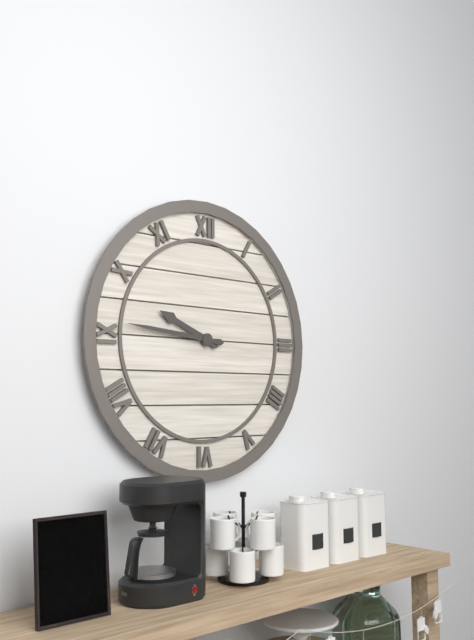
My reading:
{"hour": 9, "minute": 46}
